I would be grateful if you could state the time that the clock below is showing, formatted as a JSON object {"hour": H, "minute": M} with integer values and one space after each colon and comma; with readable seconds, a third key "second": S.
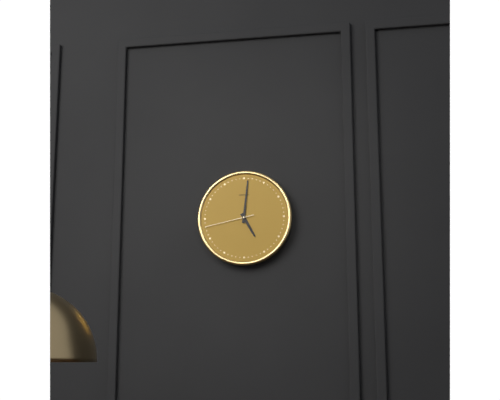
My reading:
{"hour": 5, "minute": 1, "second": 43}
